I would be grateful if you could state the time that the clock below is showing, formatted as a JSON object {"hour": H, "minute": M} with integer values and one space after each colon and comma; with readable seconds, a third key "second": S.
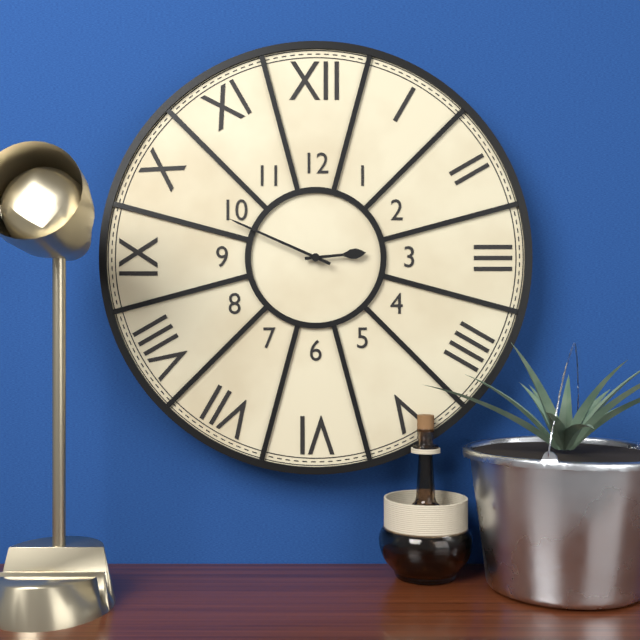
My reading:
{"hour": 2, "minute": 49}
